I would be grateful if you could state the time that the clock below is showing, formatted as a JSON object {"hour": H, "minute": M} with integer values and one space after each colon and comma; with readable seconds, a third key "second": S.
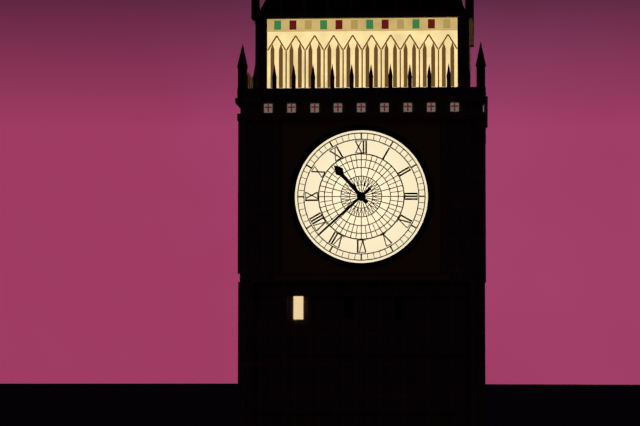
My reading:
{"hour": 10, "minute": 38}
